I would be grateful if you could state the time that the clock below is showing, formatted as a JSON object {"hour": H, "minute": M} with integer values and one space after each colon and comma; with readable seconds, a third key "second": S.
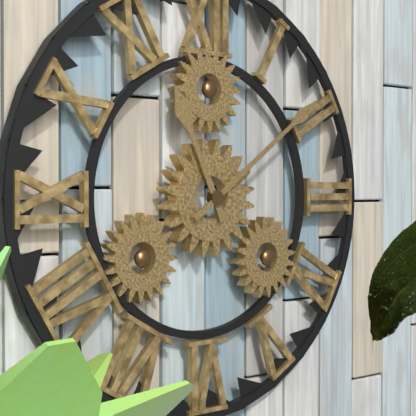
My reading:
{"hour": 11, "minute": 9}
